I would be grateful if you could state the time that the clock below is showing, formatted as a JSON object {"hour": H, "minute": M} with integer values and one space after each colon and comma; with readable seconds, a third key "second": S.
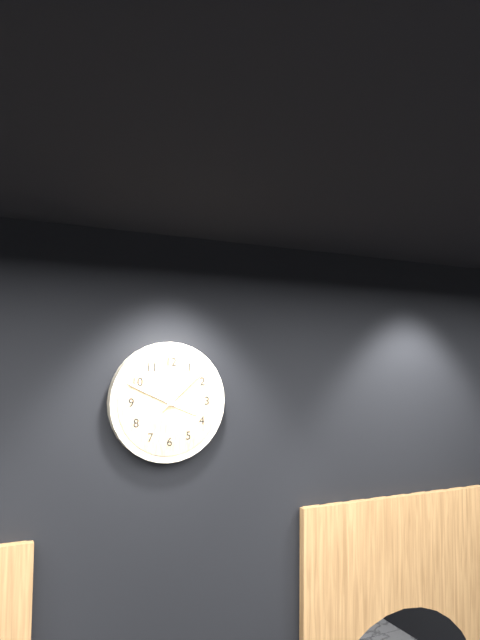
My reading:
{"hour": 3, "minute": 49, "second": 8}
